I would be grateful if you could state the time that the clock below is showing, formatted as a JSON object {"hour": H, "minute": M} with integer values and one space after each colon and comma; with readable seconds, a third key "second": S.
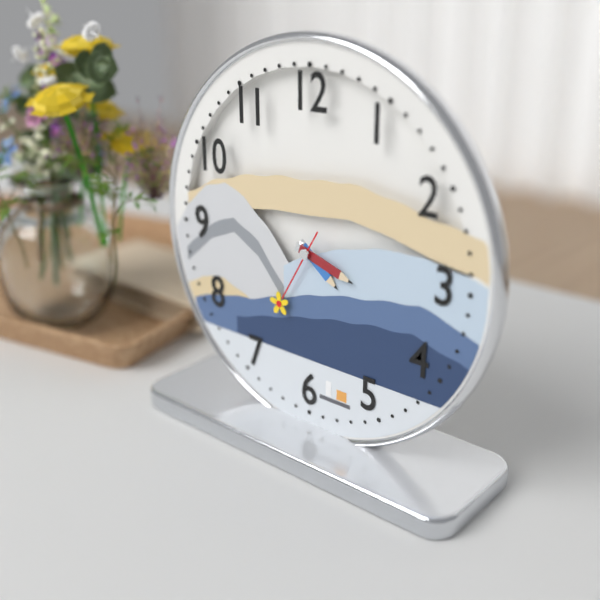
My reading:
{"hour": 4, "minute": 18, "second": 35}
